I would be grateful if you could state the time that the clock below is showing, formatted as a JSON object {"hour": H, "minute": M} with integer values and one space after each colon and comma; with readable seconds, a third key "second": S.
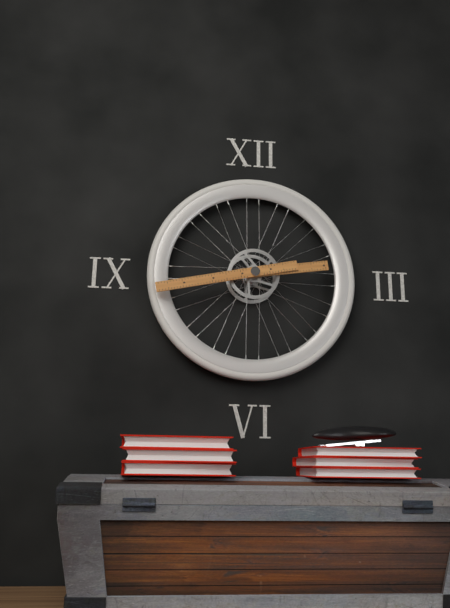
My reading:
{"hour": 2, "minute": 43}
